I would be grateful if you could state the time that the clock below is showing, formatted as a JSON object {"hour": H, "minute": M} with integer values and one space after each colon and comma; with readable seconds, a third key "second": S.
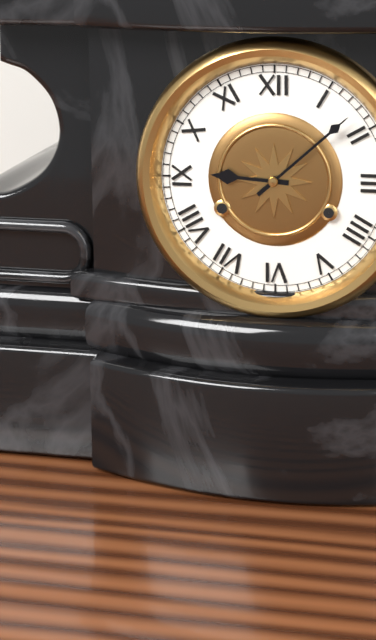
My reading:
{"hour": 9, "minute": 8}
